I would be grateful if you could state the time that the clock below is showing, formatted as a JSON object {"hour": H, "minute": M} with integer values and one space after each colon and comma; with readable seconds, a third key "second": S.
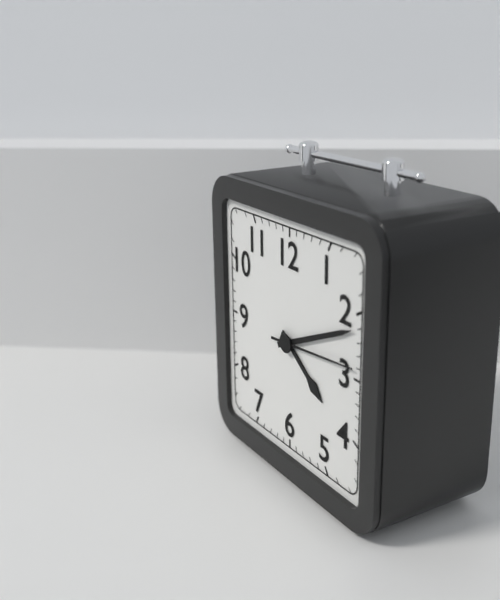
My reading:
{"hour": 4, "minute": 11, "second": 14}
